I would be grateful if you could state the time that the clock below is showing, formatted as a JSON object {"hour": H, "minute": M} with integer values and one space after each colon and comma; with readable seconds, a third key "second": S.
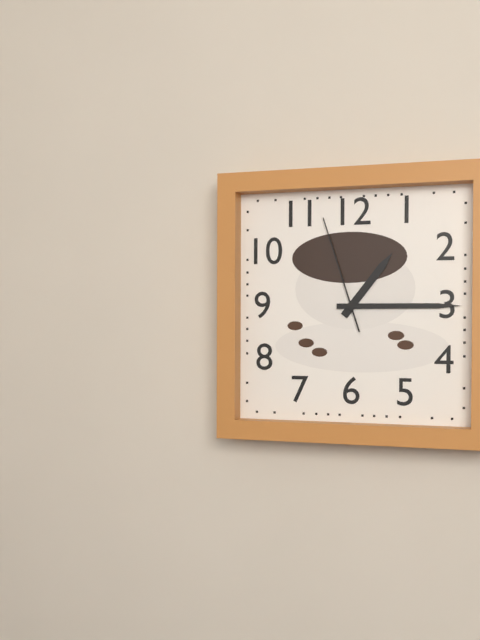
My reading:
{"hour": 1, "minute": 15, "second": 57}
